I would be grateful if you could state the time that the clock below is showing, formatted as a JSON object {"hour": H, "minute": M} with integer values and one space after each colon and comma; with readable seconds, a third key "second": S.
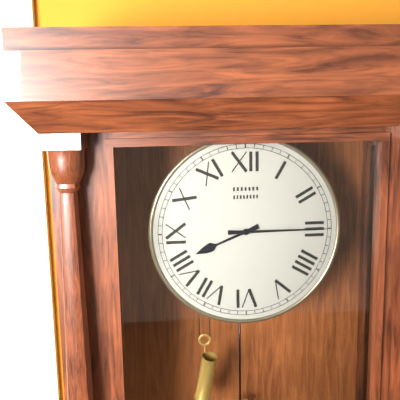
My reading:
{"hour": 8, "minute": 15}
